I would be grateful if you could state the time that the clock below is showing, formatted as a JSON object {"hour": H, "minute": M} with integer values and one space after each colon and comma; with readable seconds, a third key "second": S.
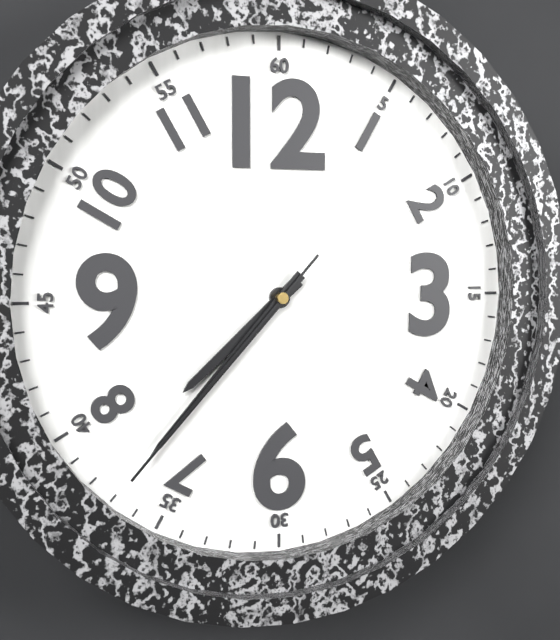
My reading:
{"hour": 7, "minute": 37, "second": 37}
